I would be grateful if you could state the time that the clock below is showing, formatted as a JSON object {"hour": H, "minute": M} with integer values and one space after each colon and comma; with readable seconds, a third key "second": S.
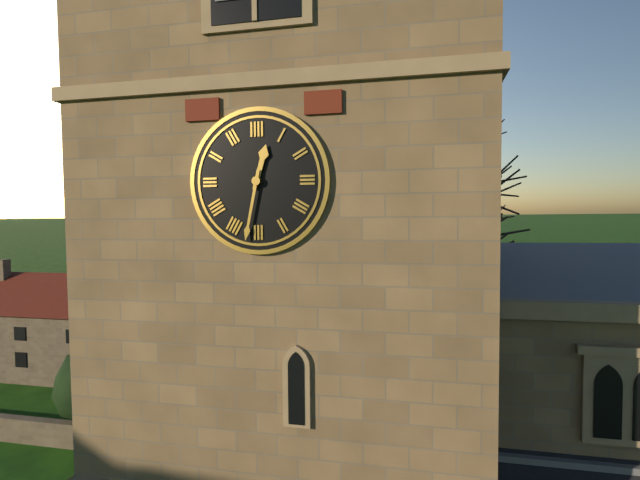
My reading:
{"hour": 12, "minute": 32}
